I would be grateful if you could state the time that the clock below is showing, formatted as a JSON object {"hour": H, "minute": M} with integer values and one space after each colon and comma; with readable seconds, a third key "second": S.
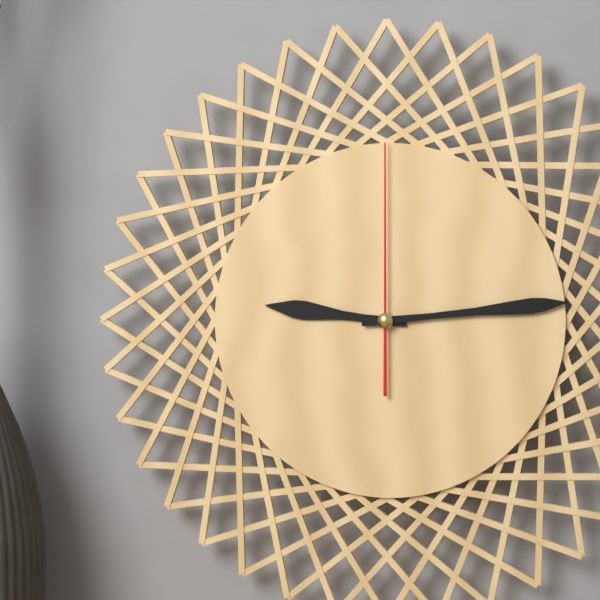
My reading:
{"hour": 9, "minute": 14, "second": 0}
